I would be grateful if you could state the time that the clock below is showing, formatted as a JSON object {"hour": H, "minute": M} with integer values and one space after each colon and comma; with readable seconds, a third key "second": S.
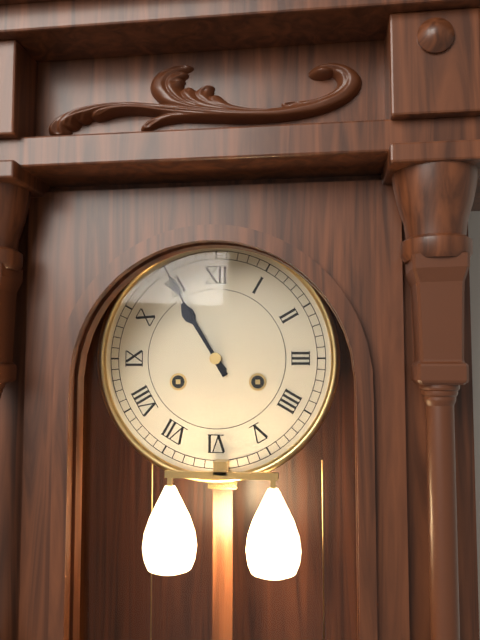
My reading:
{"hour": 10, "minute": 55}
